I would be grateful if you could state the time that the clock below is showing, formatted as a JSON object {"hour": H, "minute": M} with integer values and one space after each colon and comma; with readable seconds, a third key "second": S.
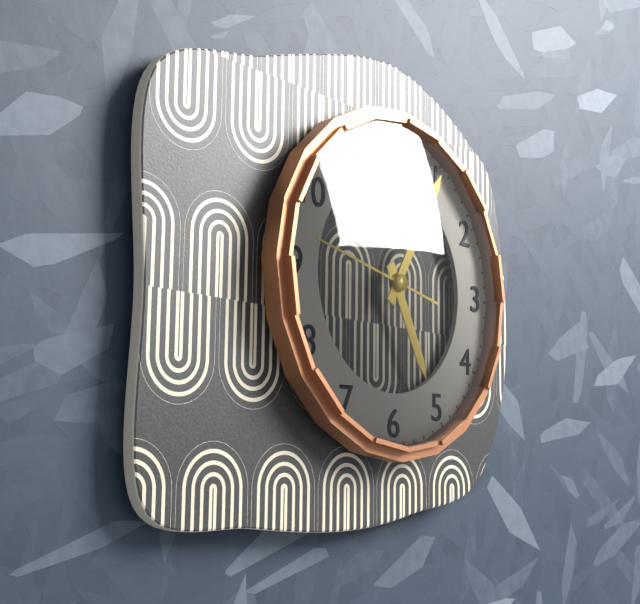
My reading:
{"hour": 5, "minute": 5, "second": 47}
